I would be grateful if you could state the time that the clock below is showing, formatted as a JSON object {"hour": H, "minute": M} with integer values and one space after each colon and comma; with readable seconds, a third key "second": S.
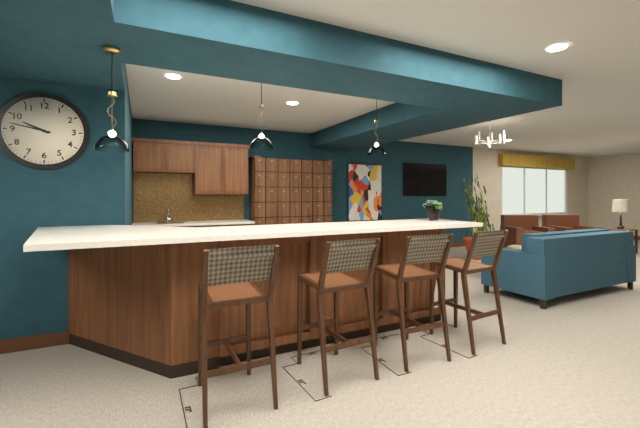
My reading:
{"hour": 9, "minute": 47}
